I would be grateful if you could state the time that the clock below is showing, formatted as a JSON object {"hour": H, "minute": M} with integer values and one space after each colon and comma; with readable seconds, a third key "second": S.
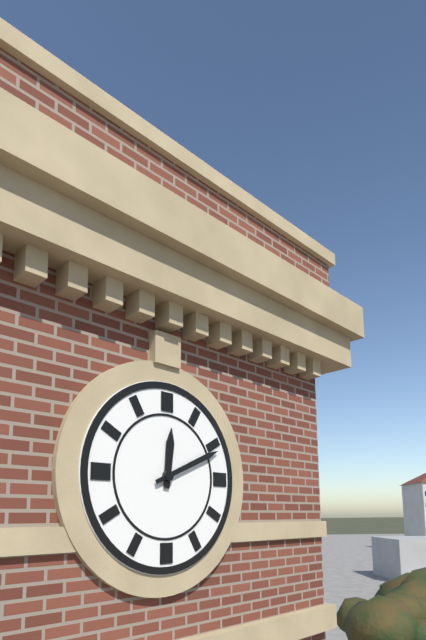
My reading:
{"hour": 12, "minute": 11}
